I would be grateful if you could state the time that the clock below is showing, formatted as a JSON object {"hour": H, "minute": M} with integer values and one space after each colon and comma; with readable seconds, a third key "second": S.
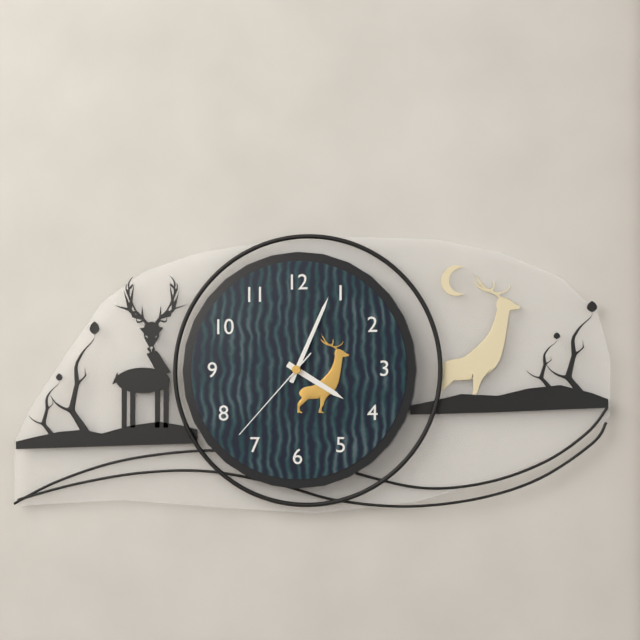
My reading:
{"hour": 4, "minute": 4, "second": 37}
